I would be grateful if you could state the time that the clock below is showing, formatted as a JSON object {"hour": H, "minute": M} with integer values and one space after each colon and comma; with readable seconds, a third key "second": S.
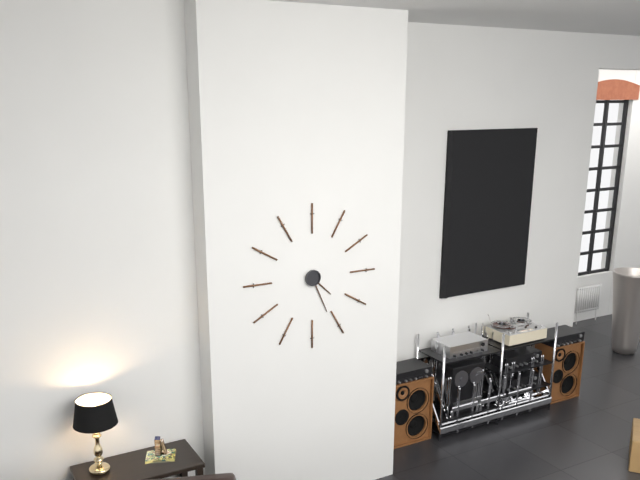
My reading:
{"hour": 4, "minute": 26}
